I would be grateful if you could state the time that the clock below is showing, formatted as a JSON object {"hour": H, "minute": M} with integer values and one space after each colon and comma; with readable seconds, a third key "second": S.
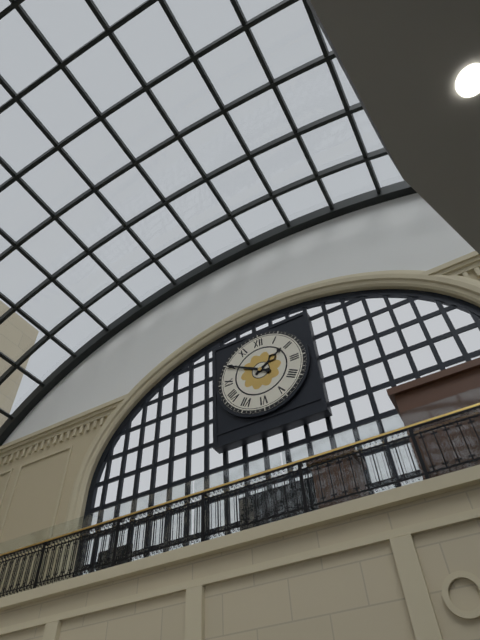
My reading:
{"hour": 1, "minute": 50}
